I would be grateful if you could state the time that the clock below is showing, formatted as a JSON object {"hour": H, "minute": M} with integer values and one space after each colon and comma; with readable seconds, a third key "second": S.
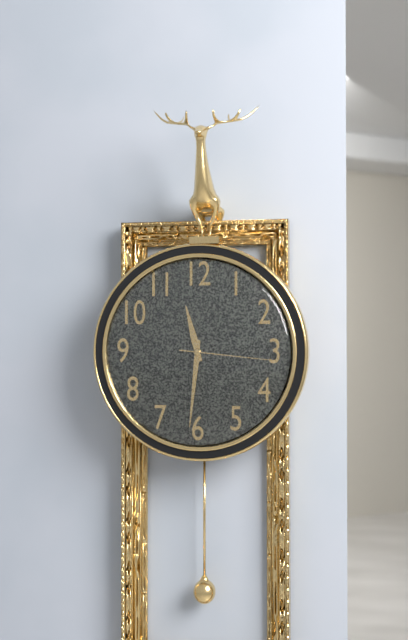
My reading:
{"hour": 11, "minute": 31, "second": 16}
